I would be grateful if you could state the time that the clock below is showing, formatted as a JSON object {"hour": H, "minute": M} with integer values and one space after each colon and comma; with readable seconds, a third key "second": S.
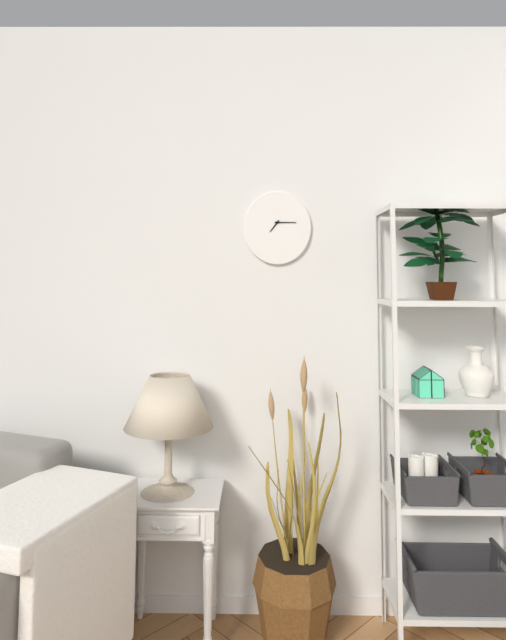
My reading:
{"hour": 7, "minute": 15}
